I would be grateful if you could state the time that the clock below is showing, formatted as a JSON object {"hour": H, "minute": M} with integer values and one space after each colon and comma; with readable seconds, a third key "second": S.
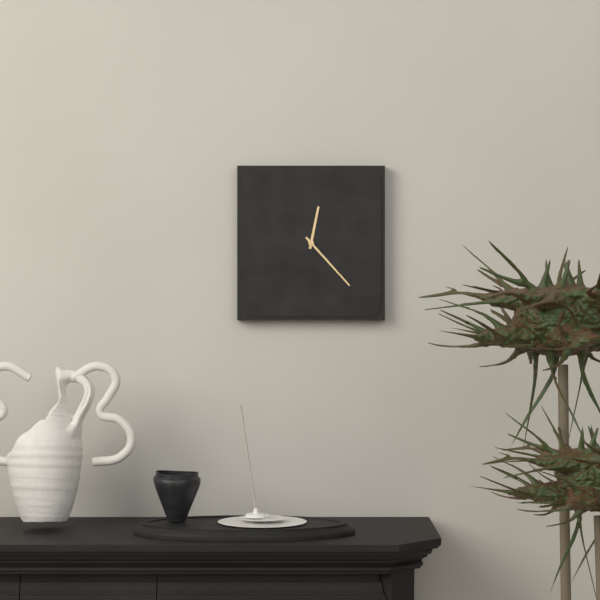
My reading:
{"hour": 12, "minute": 23}
